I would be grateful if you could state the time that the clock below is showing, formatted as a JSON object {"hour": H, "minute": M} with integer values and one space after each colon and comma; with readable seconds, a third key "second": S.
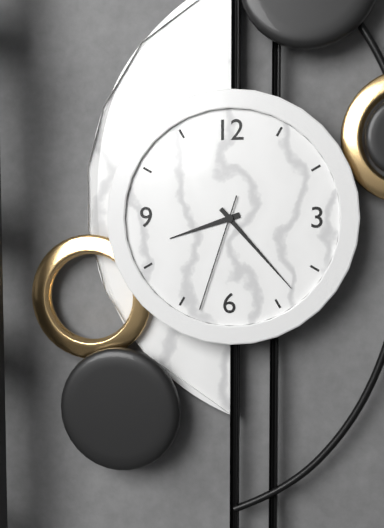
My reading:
{"hour": 8, "minute": 23, "second": 33}
